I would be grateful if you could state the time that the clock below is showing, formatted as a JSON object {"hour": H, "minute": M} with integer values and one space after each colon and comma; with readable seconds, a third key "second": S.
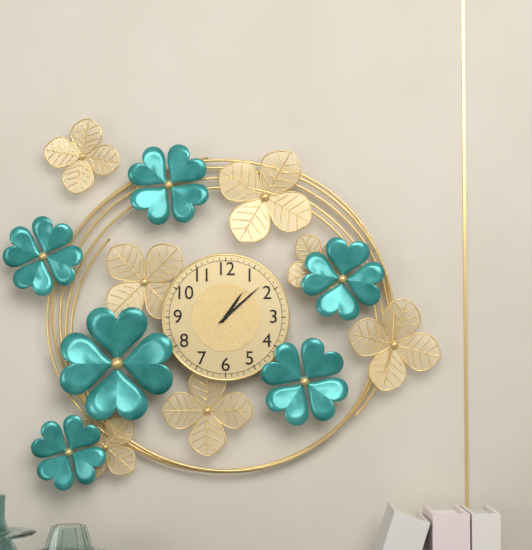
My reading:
{"hour": 1, "minute": 8}
